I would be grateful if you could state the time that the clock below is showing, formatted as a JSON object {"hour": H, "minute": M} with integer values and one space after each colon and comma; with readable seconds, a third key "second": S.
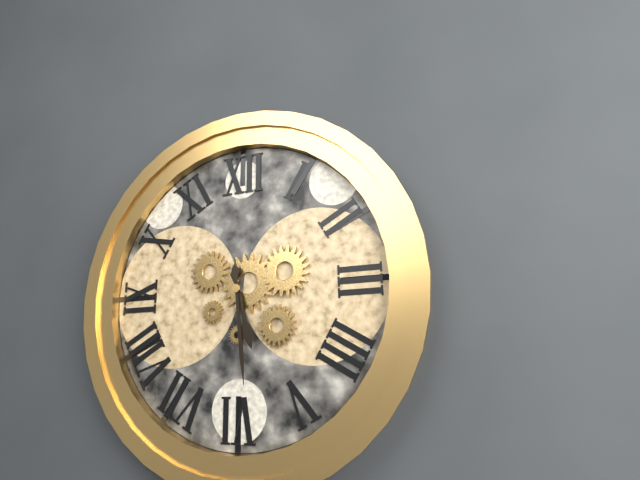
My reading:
{"hour": 5, "minute": 29}
